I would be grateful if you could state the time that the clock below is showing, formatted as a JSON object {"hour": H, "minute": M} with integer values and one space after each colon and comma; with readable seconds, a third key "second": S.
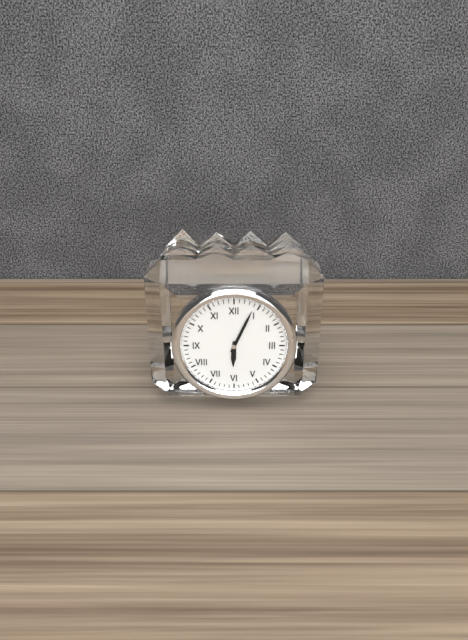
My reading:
{"hour": 6, "minute": 4}
